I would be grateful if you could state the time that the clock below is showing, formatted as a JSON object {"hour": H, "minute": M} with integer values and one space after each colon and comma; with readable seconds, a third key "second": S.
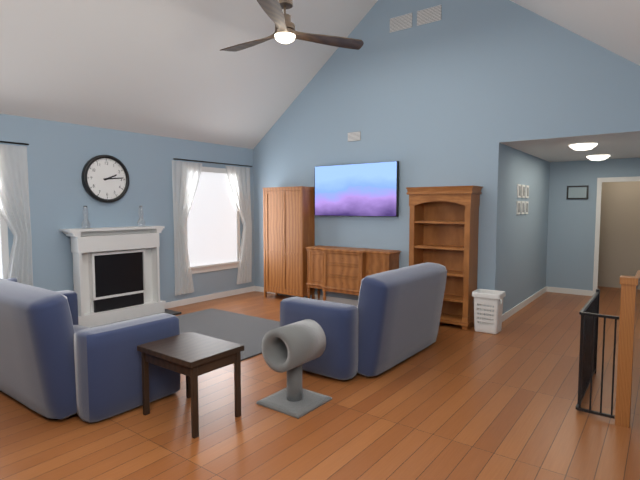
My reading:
{"hour": 2, "minute": 14}
